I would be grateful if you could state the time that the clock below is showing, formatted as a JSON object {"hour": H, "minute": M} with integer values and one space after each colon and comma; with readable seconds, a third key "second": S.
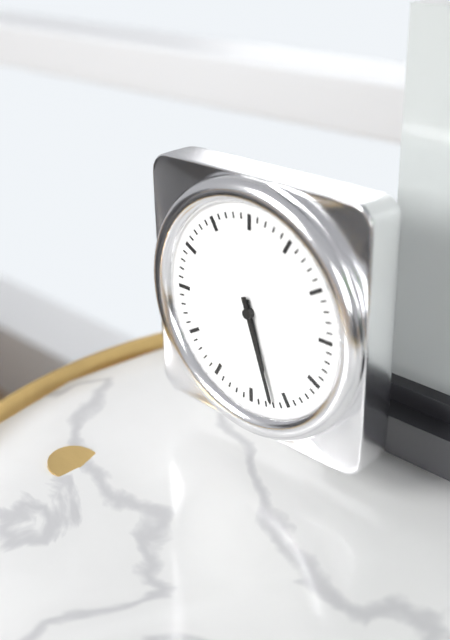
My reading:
{"hour": 5, "minute": 27}
